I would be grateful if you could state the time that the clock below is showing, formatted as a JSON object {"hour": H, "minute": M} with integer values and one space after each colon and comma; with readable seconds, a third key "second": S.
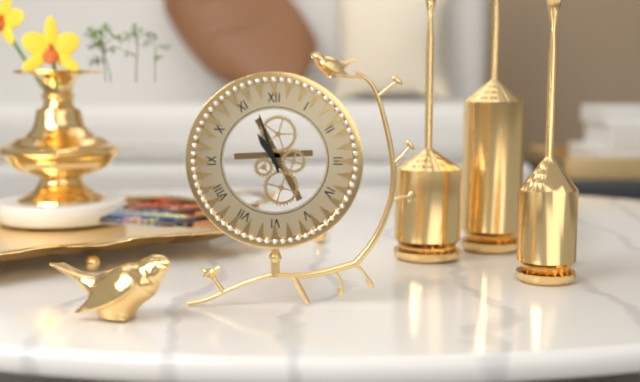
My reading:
{"hour": 10, "minute": 57}
